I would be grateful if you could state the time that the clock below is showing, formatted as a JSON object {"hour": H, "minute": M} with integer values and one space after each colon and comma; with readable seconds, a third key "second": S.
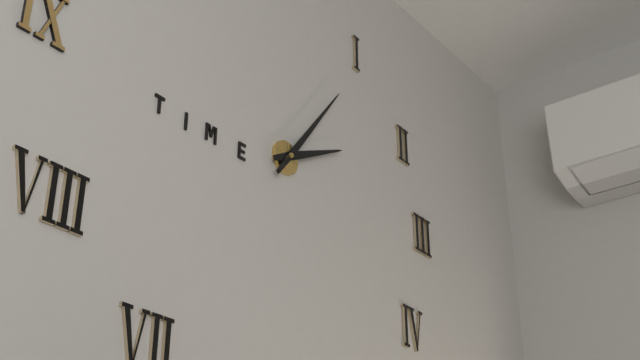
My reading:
{"hour": 2, "minute": 6}
